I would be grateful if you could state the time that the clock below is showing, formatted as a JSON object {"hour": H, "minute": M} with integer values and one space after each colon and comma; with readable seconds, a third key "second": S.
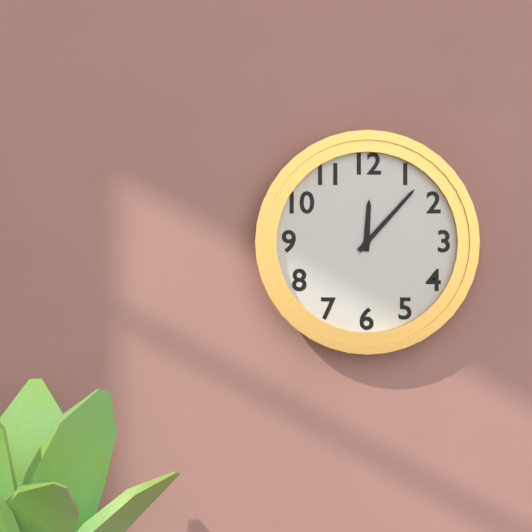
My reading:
{"hour": 12, "minute": 7}
